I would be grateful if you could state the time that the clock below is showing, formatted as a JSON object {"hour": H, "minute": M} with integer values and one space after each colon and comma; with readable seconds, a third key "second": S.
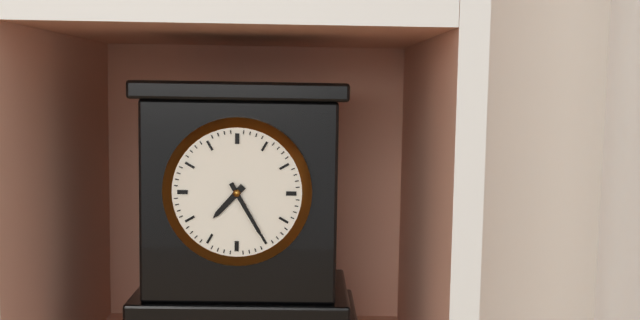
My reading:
{"hour": 7, "minute": 25}
